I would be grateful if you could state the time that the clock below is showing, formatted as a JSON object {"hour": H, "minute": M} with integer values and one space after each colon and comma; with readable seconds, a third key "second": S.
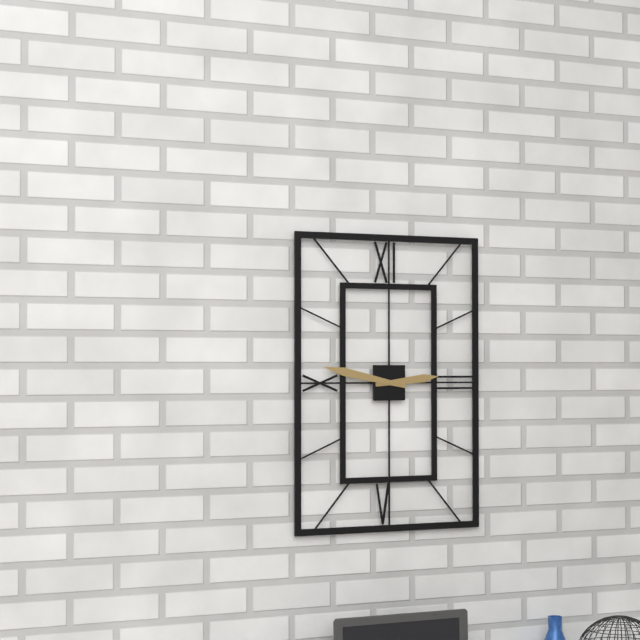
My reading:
{"hour": 2, "minute": 47}
